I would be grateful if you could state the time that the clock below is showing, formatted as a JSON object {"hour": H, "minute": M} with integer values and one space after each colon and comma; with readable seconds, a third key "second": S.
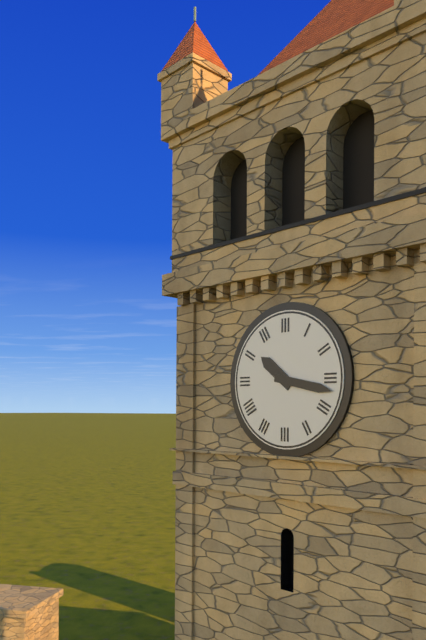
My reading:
{"hour": 10, "minute": 17}
